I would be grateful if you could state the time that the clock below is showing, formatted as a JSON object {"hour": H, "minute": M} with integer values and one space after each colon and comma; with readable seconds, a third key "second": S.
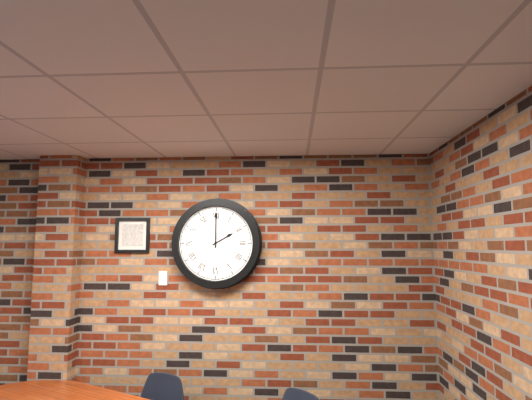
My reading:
{"hour": 2, "minute": 0}
